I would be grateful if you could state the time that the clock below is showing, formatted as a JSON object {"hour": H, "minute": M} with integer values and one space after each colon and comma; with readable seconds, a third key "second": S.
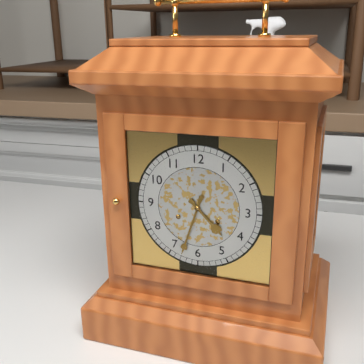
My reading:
{"hour": 4, "minute": 33}
